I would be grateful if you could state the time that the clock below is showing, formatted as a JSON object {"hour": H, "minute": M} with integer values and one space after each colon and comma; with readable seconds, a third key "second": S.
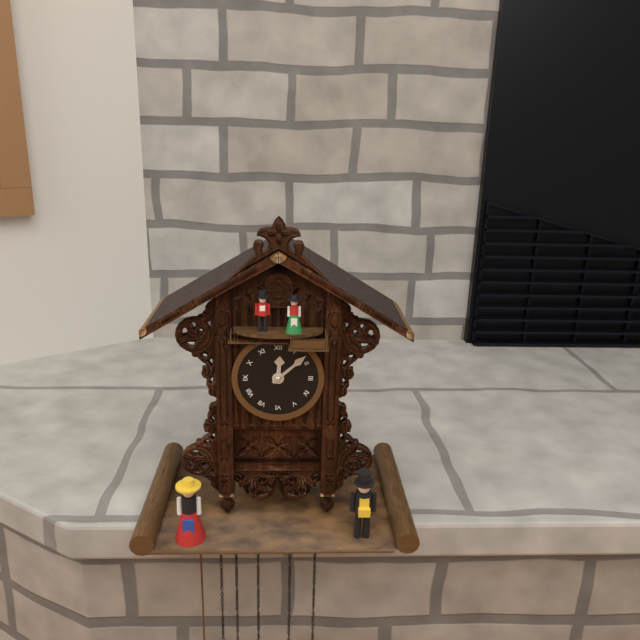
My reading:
{"hour": 12, "minute": 8}
